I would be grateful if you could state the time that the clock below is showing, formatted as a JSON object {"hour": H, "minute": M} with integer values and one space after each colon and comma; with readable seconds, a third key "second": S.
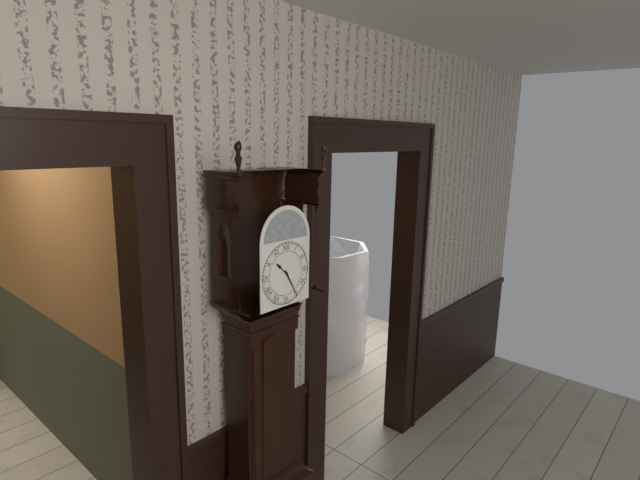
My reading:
{"hour": 10, "minute": 25}
